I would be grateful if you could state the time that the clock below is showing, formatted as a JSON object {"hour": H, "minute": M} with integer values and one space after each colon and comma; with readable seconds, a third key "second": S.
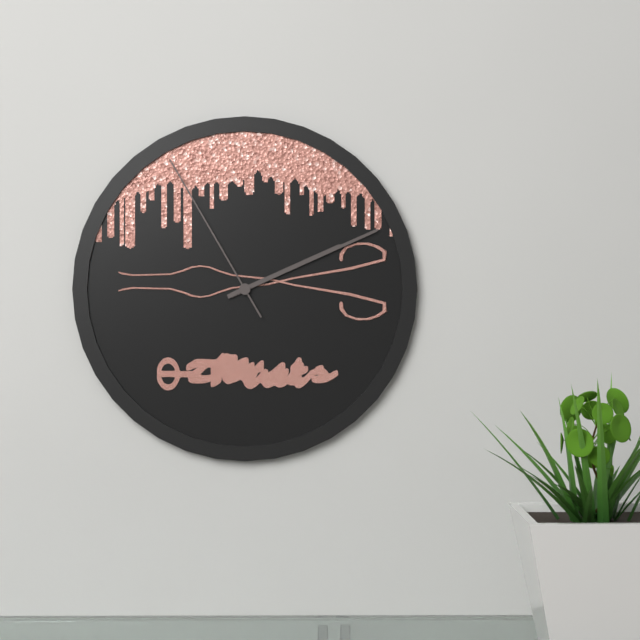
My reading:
{"hour": 2, "minute": 11, "second": 55}
